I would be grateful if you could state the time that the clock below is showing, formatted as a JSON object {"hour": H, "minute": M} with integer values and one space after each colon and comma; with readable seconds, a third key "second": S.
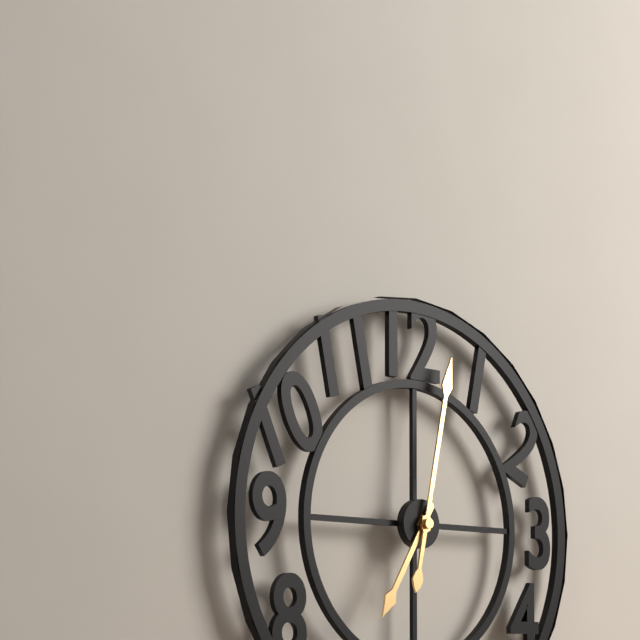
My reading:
{"hour": 7, "minute": 2}
